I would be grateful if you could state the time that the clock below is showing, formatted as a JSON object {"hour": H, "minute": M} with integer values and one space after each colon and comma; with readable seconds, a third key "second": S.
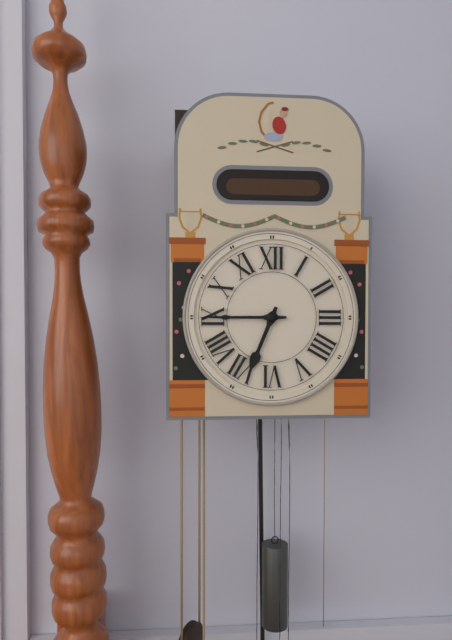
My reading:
{"hour": 6, "minute": 45}
